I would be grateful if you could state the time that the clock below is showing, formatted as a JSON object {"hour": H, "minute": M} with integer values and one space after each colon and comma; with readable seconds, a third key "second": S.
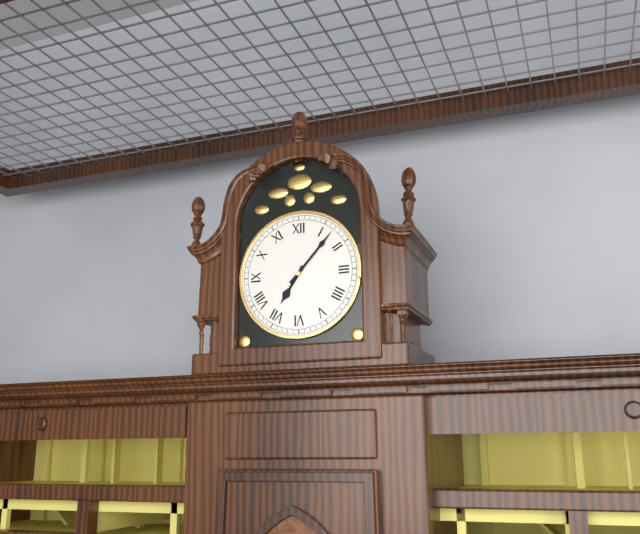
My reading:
{"hour": 7, "minute": 7}
